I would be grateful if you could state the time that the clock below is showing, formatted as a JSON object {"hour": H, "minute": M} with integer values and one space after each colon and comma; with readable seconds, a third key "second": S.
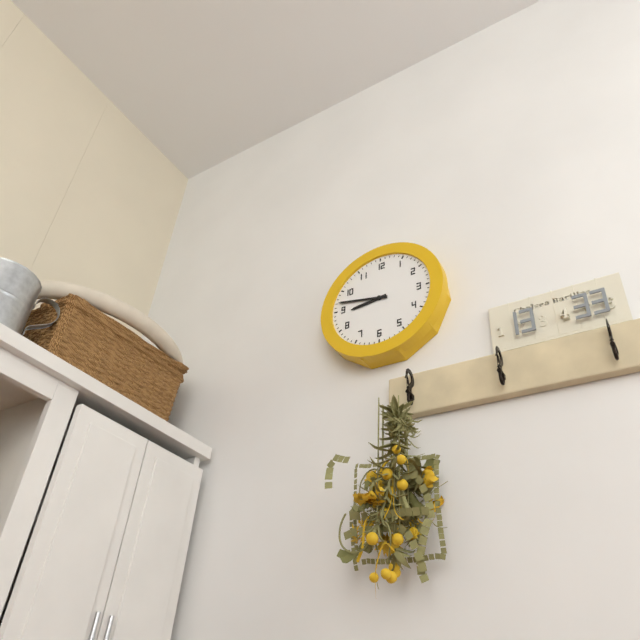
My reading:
{"hour": 8, "minute": 47}
